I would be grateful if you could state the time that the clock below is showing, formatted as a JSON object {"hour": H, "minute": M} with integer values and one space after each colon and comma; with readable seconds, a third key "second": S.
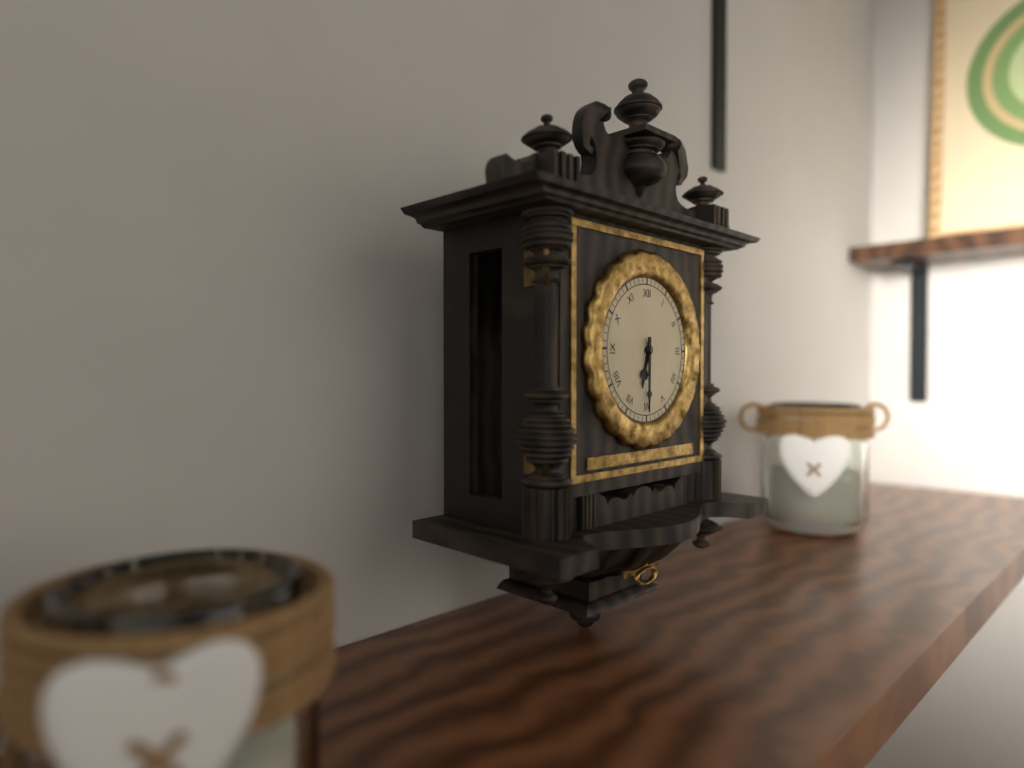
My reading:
{"hour": 6, "minute": 30}
